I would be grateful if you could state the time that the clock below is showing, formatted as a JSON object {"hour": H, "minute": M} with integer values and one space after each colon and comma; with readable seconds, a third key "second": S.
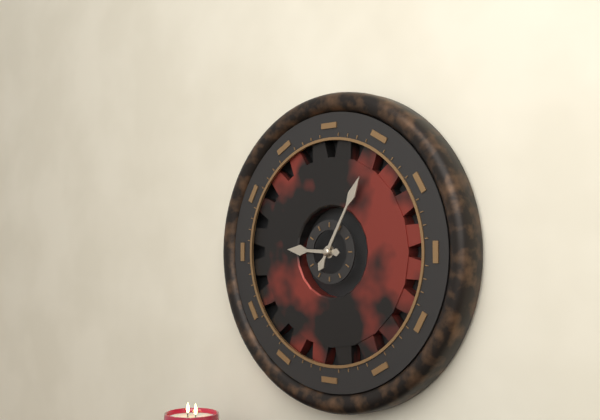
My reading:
{"hour": 9, "minute": 5}
